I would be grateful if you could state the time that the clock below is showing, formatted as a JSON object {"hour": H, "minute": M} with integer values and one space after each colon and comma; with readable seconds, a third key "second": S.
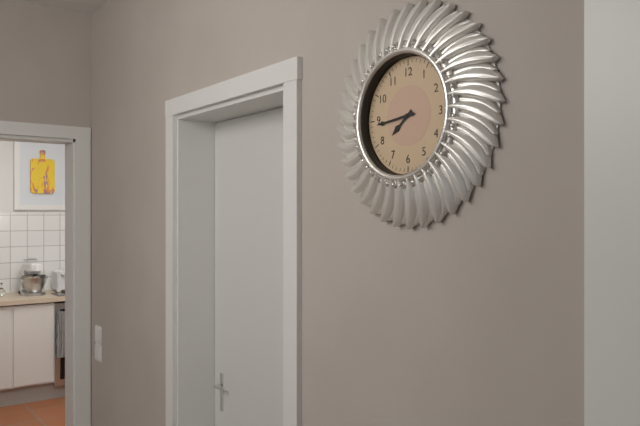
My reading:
{"hour": 7, "minute": 44}
